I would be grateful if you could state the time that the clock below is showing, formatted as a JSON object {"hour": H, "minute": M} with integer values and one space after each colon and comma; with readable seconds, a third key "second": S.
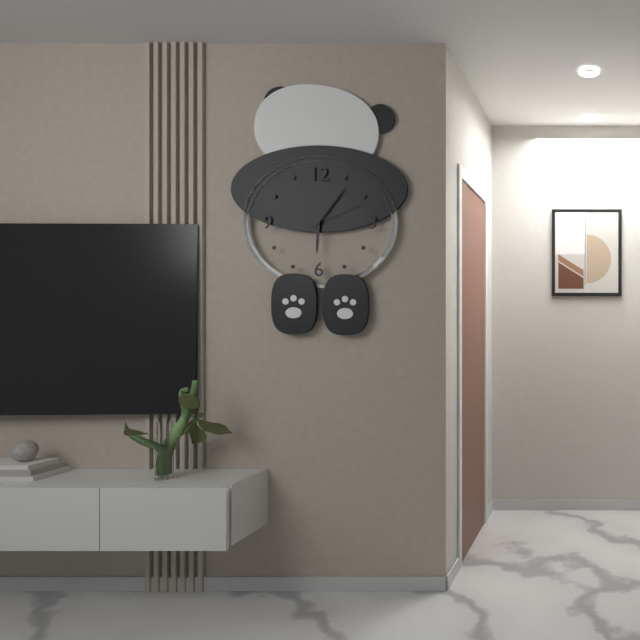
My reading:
{"hour": 6, "minute": 6, "second": 11}
